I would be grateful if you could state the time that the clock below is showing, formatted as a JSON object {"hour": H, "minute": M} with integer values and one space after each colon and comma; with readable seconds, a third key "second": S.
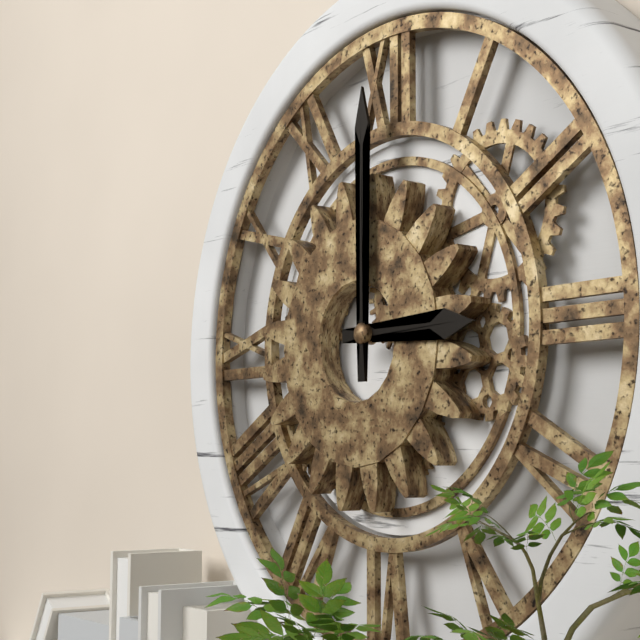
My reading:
{"hour": 3, "minute": 0}
